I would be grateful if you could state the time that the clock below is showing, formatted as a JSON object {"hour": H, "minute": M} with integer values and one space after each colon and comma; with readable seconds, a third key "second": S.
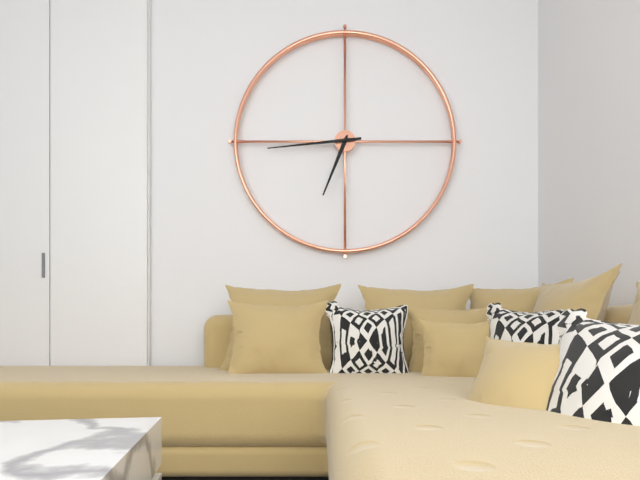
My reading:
{"hour": 6, "minute": 44}
